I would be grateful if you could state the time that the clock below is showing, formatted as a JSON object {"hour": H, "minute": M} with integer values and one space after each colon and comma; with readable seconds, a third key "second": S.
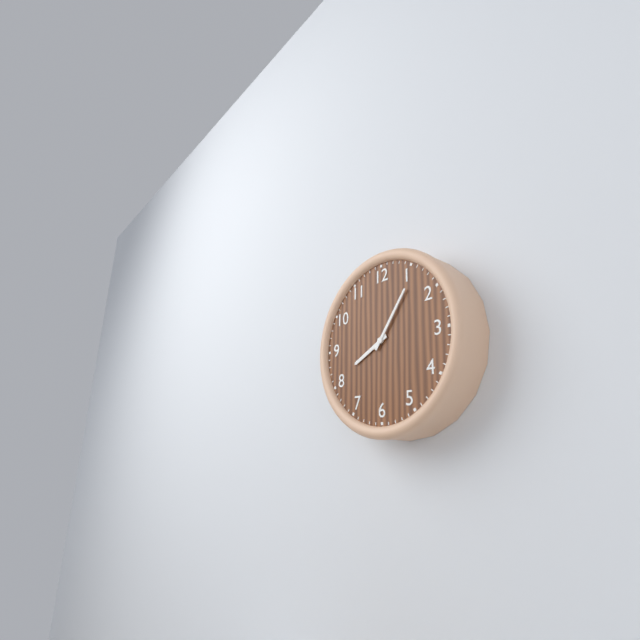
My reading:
{"hour": 8, "minute": 6}
